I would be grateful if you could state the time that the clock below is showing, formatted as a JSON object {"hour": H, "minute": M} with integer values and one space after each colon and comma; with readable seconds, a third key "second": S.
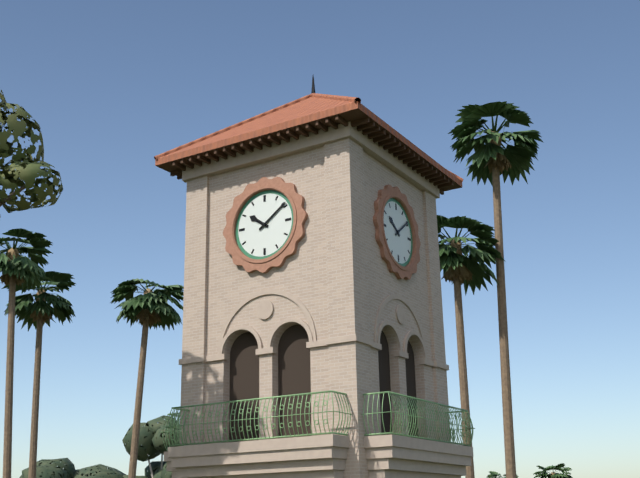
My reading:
{"hour": 10, "minute": 9}
